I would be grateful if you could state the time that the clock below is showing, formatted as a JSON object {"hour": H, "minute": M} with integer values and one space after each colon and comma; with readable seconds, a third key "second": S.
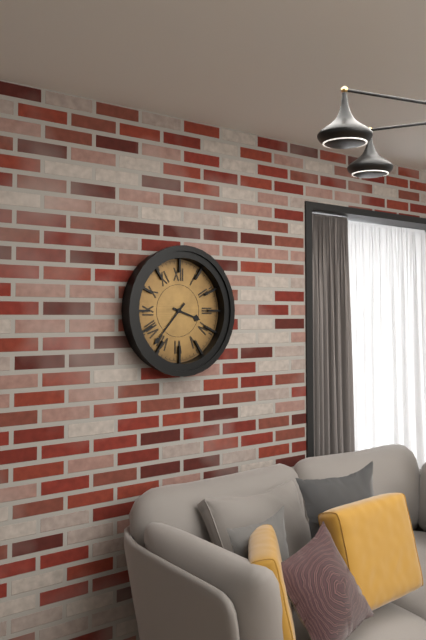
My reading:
{"hour": 3, "minute": 37}
